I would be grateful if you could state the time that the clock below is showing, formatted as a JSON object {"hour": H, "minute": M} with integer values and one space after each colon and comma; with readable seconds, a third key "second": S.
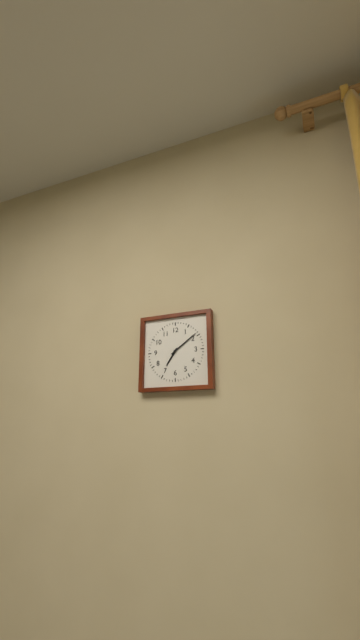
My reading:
{"hour": 7, "minute": 9}
